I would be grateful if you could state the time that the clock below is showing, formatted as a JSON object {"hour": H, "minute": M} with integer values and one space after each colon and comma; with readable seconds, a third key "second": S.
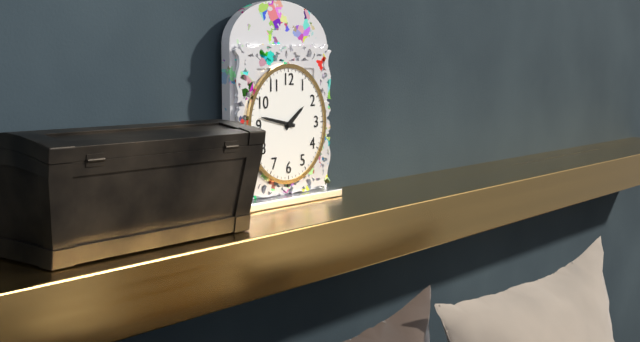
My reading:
{"hour": 1, "minute": 47}
